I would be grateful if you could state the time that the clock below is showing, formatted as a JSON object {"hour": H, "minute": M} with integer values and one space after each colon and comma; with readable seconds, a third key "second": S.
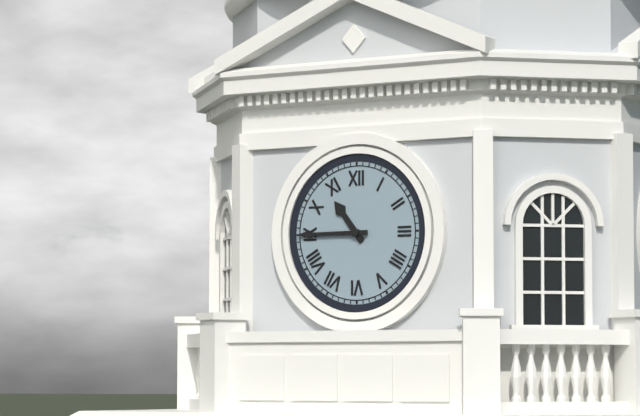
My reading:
{"hour": 10, "minute": 45}
